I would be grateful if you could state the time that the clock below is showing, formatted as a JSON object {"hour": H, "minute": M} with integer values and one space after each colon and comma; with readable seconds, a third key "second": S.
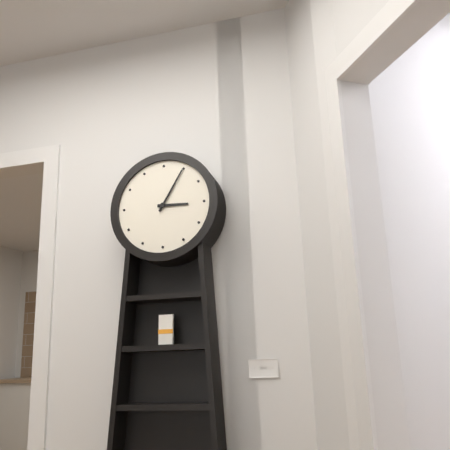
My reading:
{"hour": 3, "minute": 5}
